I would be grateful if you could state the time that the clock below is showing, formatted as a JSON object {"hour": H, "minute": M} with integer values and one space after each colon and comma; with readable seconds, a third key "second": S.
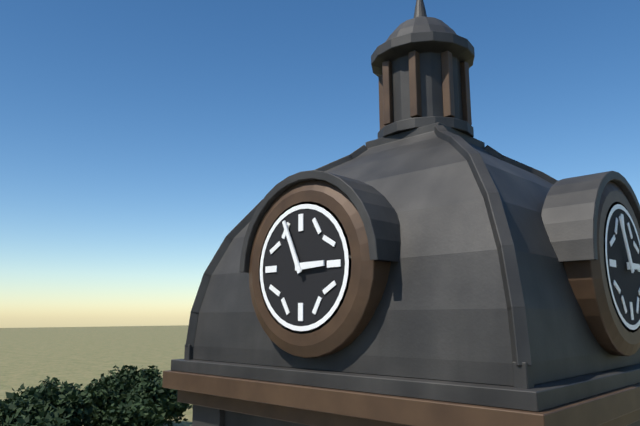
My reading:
{"hour": 2, "minute": 56}
